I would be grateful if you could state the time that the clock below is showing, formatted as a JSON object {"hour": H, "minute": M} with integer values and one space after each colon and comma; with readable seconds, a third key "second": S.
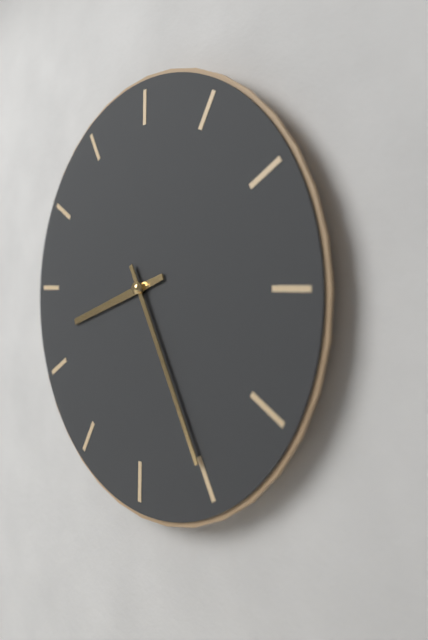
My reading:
{"hour": 8, "minute": 25}
